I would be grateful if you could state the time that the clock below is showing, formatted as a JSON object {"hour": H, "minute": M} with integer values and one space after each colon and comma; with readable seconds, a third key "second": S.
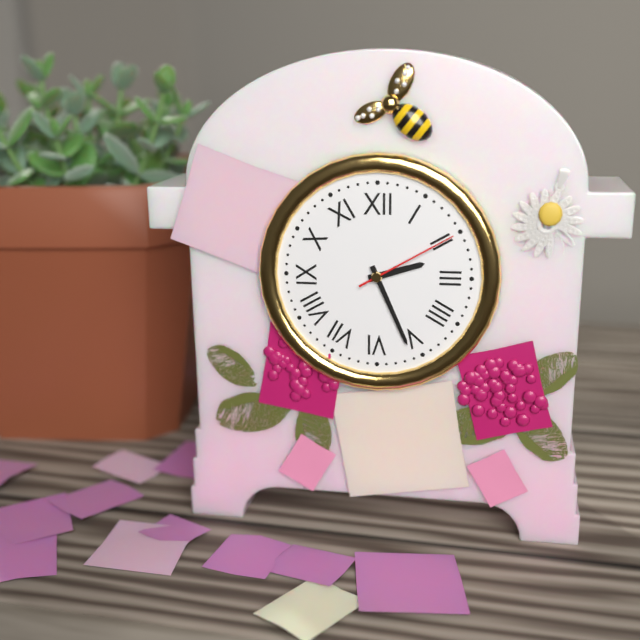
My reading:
{"hour": 2, "minute": 26, "second": 10}
